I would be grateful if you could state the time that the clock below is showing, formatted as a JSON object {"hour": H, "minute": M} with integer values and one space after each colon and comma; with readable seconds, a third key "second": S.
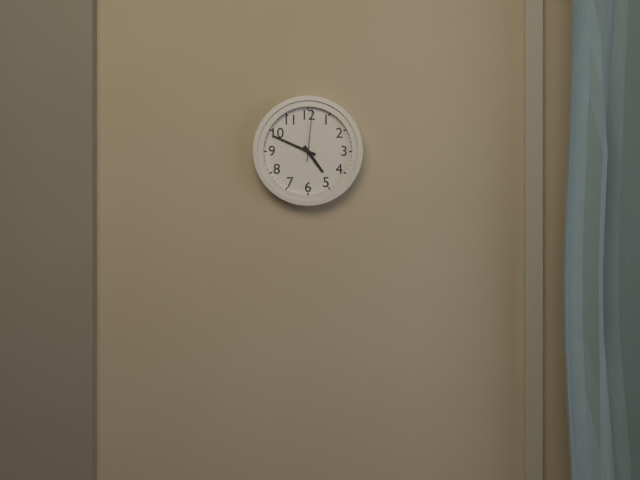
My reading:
{"hour": 4, "minute": 49, "second": 1}
